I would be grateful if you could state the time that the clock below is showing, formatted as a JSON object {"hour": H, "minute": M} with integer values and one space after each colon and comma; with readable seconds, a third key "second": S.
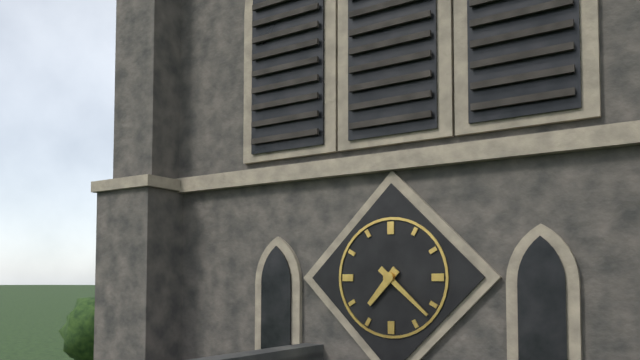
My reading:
{"hour": 7, "minute": 22}
